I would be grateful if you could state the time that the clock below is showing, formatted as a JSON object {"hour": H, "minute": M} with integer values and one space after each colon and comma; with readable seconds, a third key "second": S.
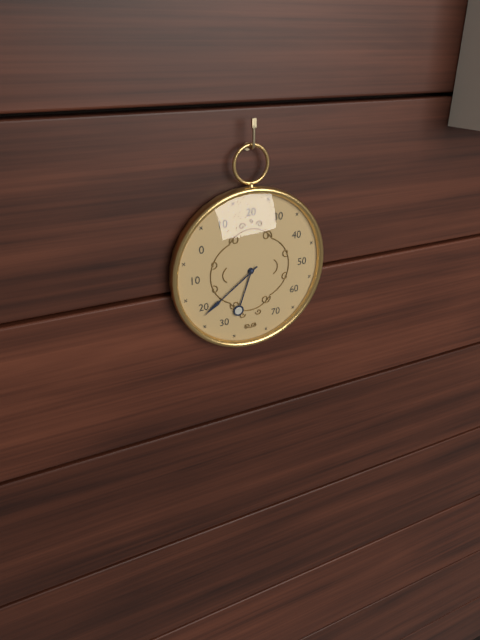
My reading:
{"hour": 6, "minute": 39}
